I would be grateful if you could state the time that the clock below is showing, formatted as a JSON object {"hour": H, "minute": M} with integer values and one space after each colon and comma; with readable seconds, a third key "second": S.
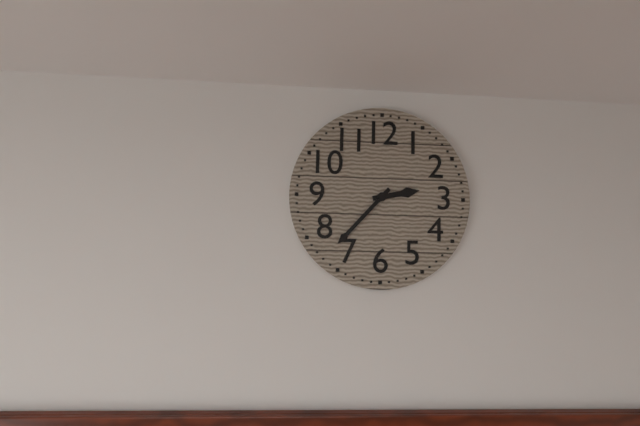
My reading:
{"hour": 2, "minute": 37}
